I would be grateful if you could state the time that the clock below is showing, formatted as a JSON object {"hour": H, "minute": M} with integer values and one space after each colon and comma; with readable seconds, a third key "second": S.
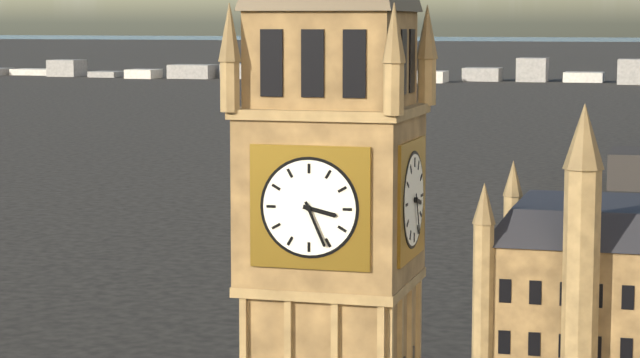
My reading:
{"hour": 3, "minute": 26}
